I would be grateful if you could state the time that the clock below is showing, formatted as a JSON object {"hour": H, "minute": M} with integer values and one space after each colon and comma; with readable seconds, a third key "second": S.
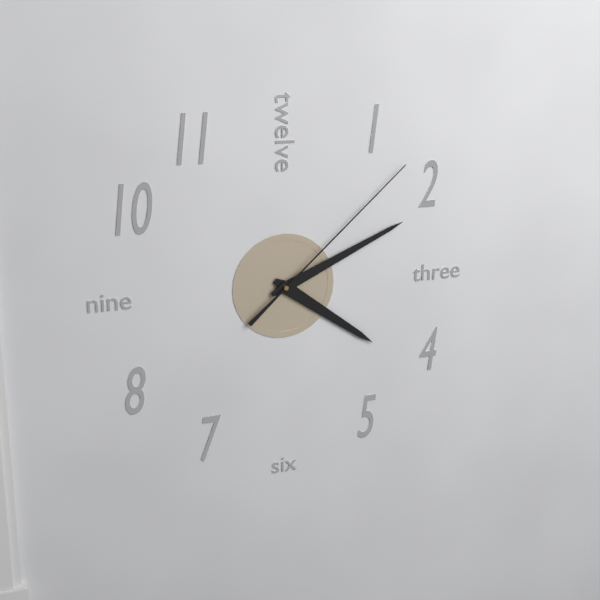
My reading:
{"hour": 4, "minute": 11, "second": 8}
